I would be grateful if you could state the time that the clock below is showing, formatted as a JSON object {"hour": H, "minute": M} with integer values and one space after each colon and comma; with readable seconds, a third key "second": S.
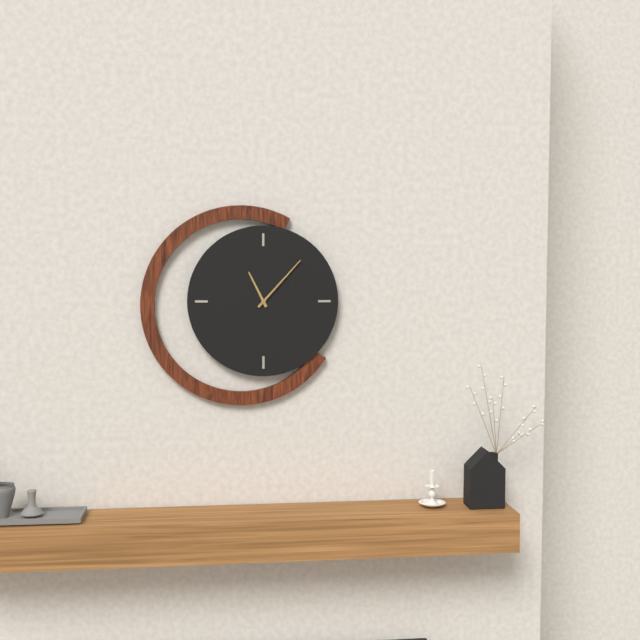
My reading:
{"hour": 11, "minute": 7}
